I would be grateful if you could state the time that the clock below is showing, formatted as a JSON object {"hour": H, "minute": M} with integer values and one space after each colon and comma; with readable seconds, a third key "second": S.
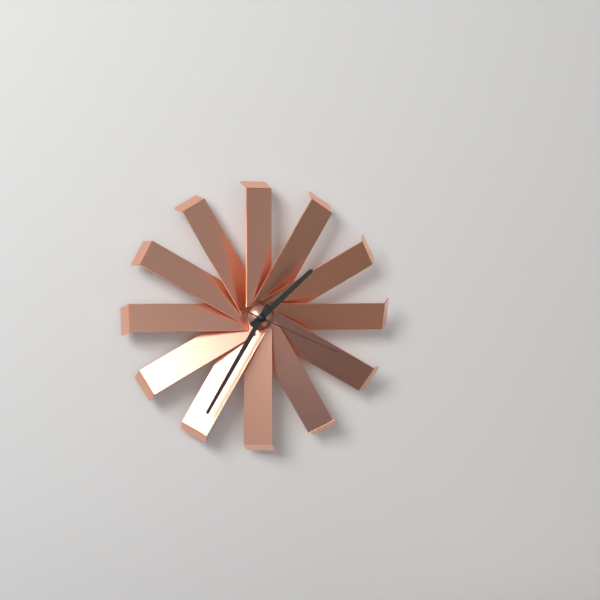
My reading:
{"hour": 1, "minute": 35, "second": 19}
